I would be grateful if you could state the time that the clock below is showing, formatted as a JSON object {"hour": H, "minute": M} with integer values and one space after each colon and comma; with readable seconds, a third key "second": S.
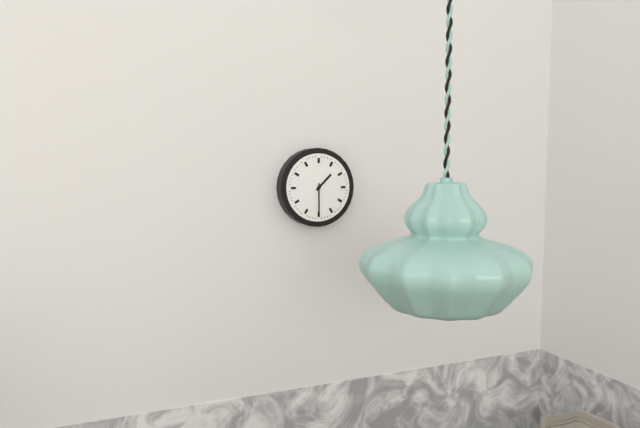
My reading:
{"hour": 1, "minute": 30}
